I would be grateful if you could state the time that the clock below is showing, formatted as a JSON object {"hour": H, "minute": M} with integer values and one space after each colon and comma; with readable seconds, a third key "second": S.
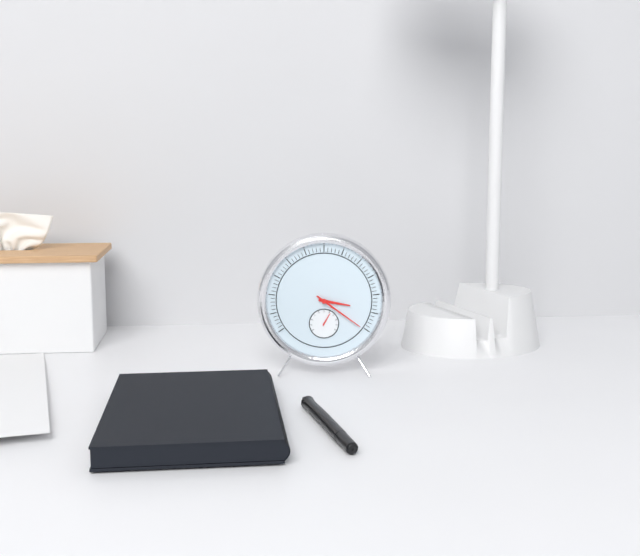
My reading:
{"hour": 3, "minute": 21}
